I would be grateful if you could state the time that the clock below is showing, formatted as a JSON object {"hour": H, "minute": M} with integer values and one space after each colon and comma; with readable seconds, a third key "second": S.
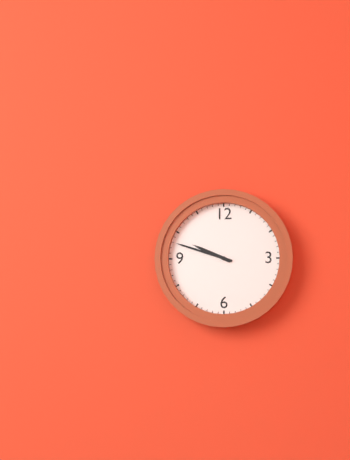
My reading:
{"hour": 9, "minute": 48}
